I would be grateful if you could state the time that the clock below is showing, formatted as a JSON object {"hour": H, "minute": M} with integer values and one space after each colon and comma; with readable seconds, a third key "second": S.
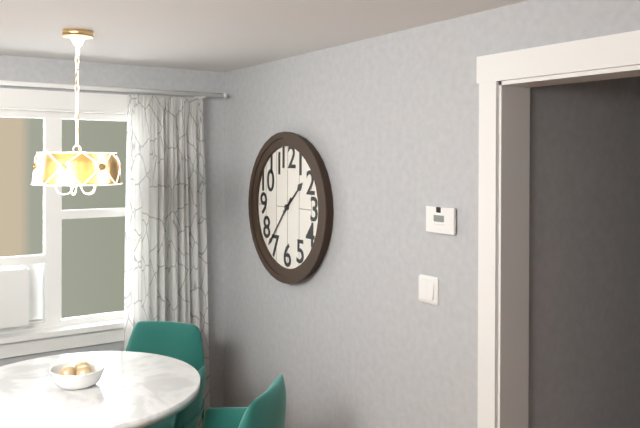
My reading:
{"hour": 1, "minute": 37}
